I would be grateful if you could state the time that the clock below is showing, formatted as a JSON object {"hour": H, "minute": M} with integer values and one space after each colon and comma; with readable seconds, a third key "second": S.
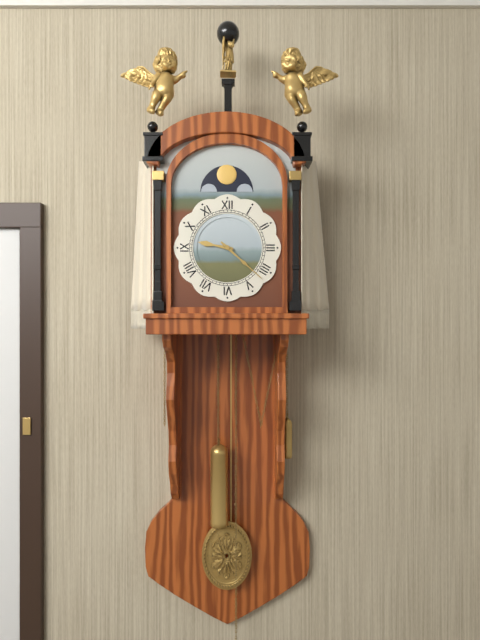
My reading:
{"hour": 9, "minute": 22}
